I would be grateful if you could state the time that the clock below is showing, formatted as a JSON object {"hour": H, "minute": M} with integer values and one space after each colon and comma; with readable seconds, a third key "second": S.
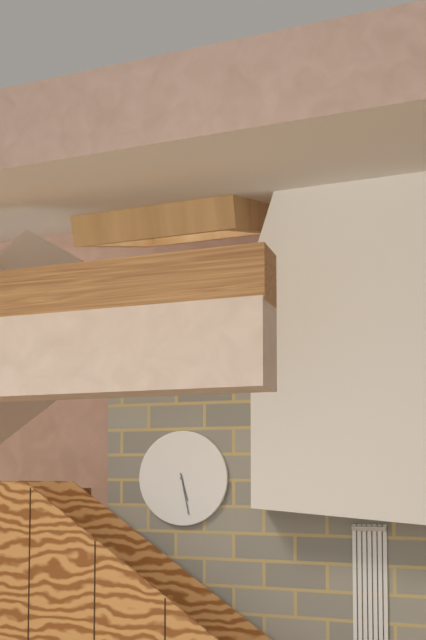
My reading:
{"hour": 5, "minute": 28}
